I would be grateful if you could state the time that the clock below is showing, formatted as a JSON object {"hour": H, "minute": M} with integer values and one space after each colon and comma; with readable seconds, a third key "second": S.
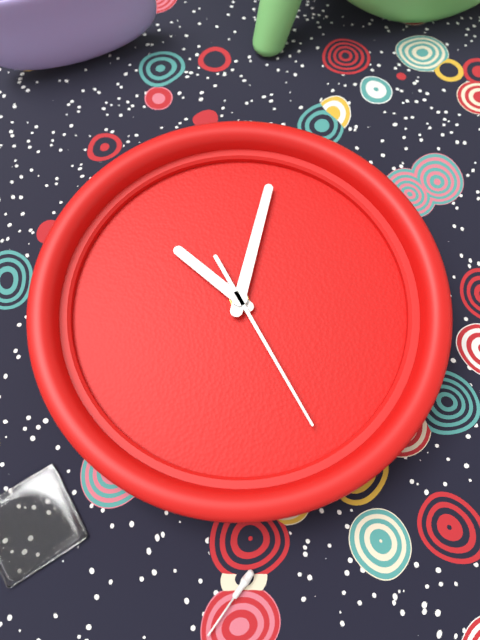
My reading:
{"hour": 11, "minute": 6, "second": 29}
